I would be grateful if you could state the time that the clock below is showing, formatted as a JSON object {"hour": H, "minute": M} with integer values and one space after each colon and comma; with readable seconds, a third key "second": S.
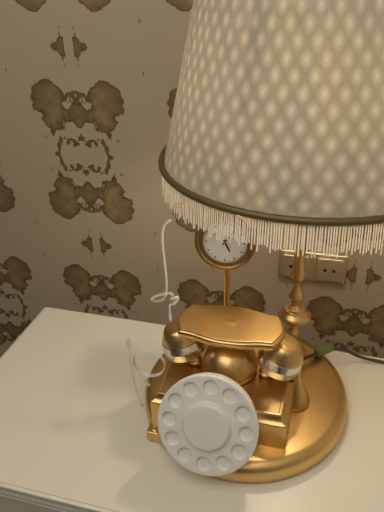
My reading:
{"hour": 5, "minute": 6}
